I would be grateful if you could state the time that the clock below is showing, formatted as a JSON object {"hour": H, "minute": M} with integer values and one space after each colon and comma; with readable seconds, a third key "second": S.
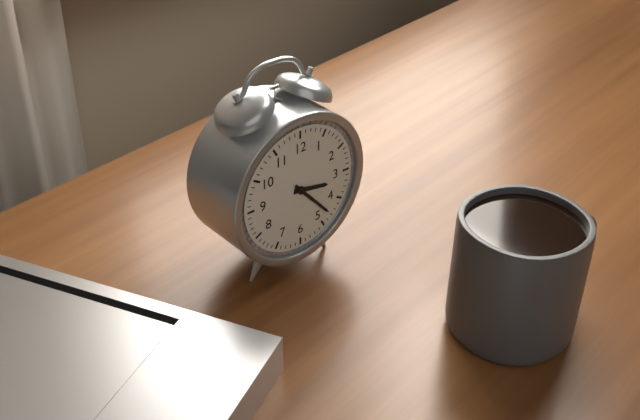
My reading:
{"hour": 3, "minute": 23}
